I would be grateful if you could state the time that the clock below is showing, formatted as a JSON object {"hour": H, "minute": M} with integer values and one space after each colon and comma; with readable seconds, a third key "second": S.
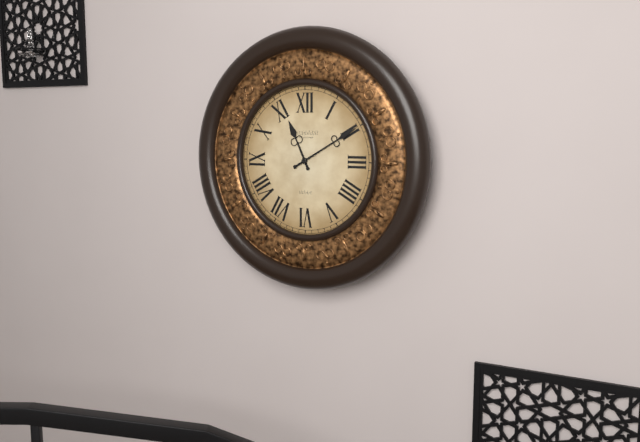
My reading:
{"hour": 11, "minute": 10}
